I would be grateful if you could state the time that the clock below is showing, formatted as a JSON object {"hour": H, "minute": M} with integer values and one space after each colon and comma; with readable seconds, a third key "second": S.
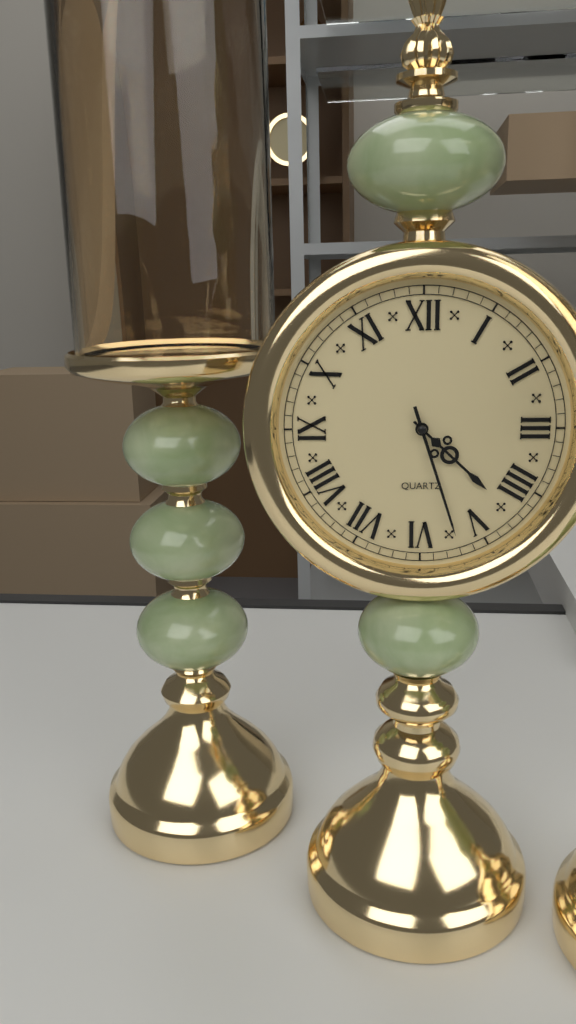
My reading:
{"hour": 4, "minute": 27}
